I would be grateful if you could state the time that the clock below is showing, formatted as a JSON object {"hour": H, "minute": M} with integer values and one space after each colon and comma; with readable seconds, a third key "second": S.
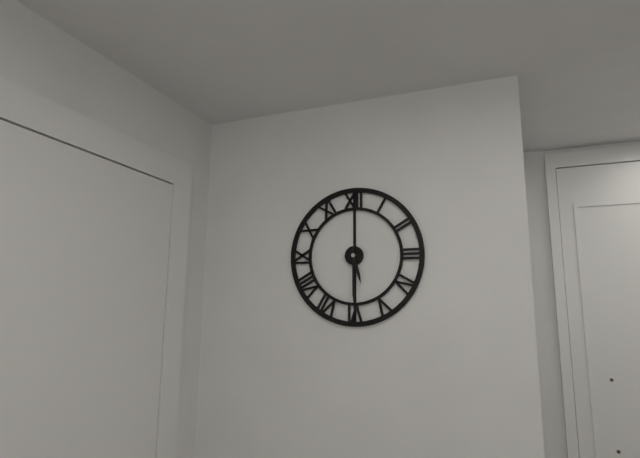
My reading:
{"hour": 5, "minute": 30}
